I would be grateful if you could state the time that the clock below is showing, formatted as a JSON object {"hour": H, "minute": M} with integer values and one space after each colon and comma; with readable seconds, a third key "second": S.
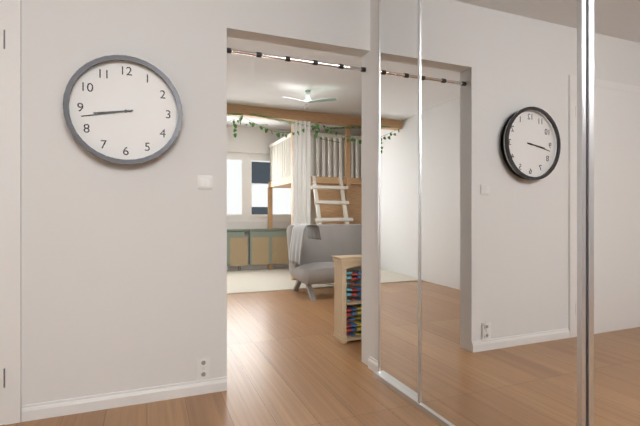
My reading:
{"hour": 8, "minute": 43}
